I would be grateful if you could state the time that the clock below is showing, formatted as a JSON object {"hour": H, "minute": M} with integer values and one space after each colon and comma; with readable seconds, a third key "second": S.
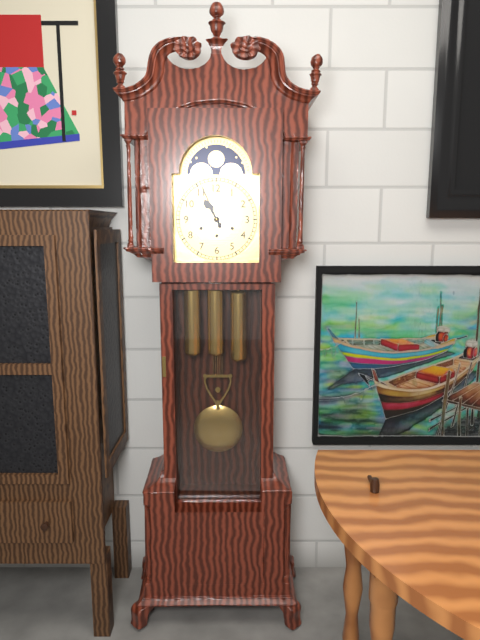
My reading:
{"hour": 10, "minute": 56}
